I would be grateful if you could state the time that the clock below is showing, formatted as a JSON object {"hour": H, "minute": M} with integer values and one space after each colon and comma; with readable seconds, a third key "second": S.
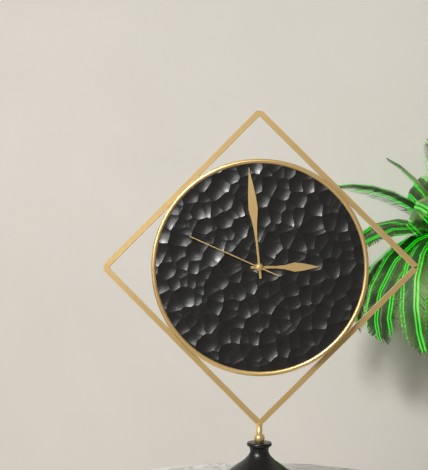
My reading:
{"hour": 2, "minute": 59, "second": 49}
